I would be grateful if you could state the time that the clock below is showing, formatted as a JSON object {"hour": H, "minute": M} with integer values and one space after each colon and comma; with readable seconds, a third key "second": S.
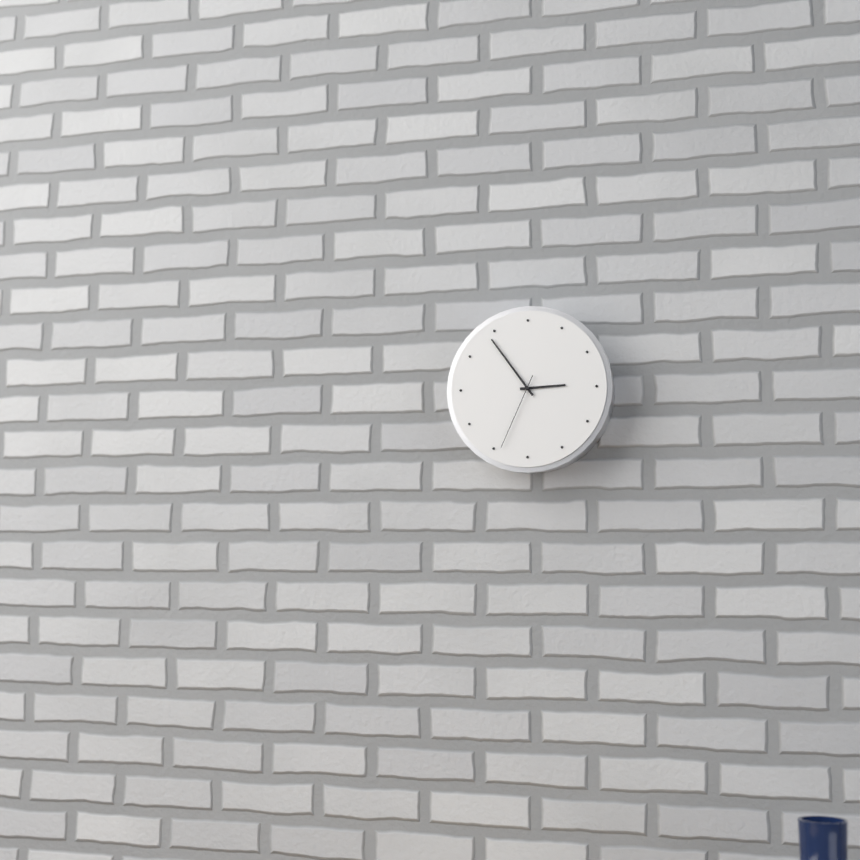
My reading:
{"hour": 2, "minute": 54, "second": 34}
